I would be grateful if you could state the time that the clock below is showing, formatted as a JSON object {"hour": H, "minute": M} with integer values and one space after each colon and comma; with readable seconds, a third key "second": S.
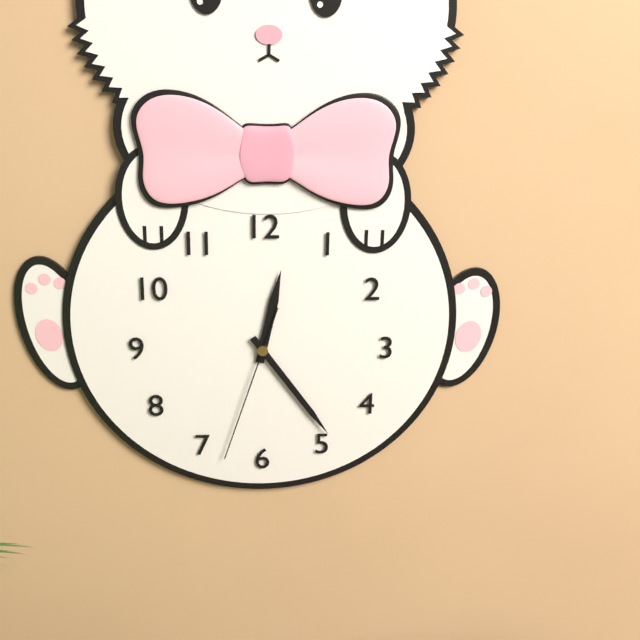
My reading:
{"hour": 12, "minute": 24, "second": 33}
